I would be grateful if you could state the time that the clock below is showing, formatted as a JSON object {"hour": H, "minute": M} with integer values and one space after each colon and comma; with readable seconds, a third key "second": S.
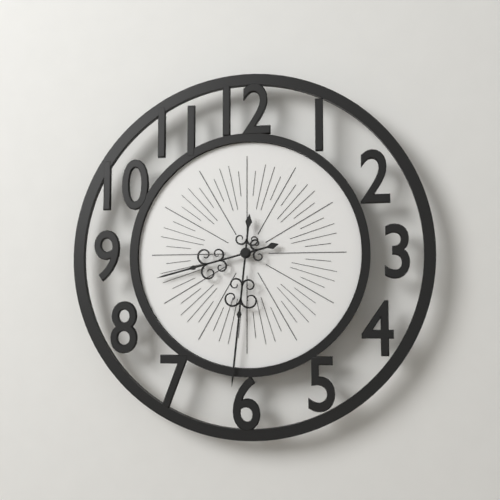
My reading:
{"hour": 8, "minute": 31}
